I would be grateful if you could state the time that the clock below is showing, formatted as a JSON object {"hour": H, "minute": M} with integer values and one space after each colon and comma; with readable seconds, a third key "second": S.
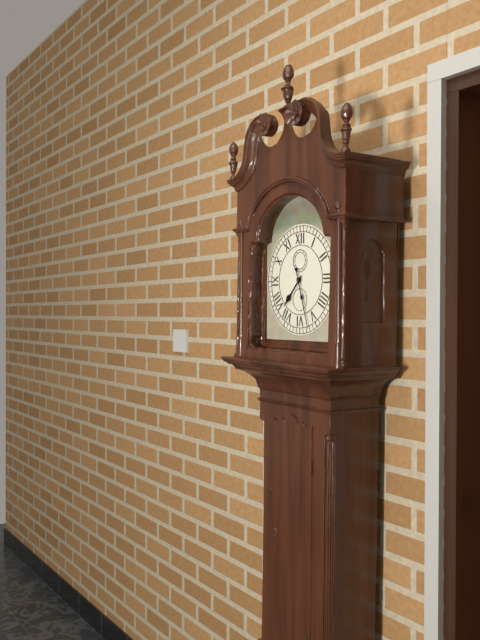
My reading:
{"hour": 7, "minute": 27}
